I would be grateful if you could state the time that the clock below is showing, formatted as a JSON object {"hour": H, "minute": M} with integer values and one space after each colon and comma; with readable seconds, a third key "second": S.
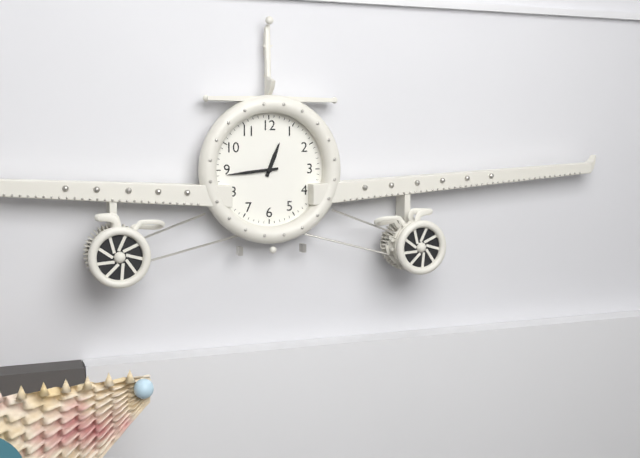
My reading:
{"hour": 12, "minute": 44}
